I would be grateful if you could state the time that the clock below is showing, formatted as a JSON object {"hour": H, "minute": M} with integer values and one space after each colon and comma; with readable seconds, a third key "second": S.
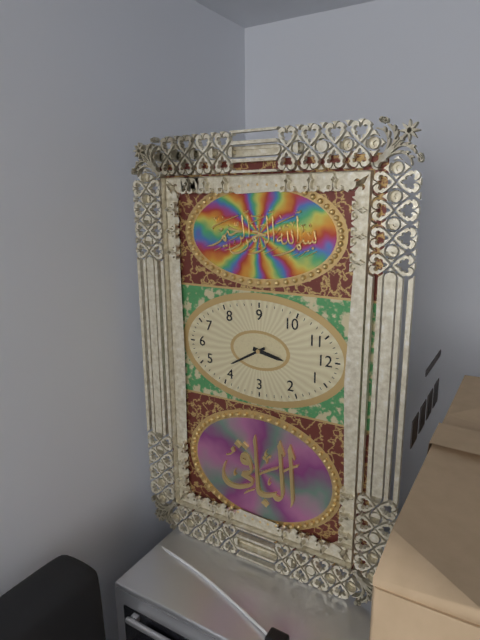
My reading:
{"hour": 12, "minute": 25}
